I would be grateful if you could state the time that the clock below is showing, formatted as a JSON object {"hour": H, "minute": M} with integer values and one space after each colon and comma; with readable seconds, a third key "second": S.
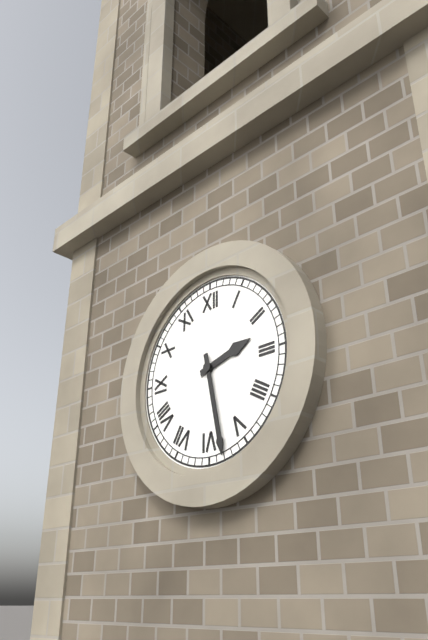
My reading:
{"hour": 2, "minute": 28}
